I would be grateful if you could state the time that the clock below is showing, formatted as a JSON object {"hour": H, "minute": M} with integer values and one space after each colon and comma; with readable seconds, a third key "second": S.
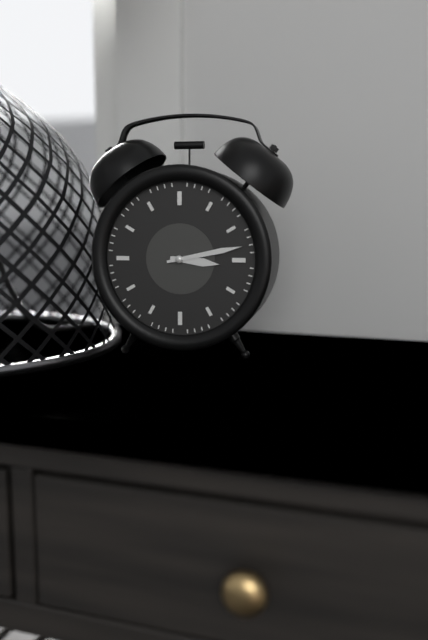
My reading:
{"hour": 3, "minute": 13}
